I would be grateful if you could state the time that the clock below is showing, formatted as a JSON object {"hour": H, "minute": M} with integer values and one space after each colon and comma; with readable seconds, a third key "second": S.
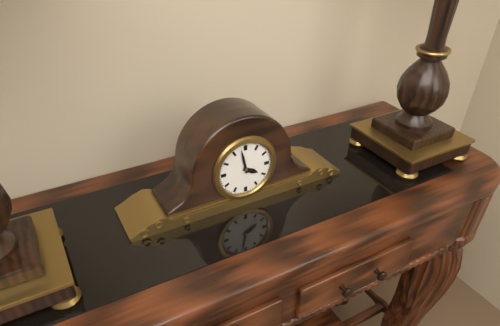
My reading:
{"hour": 3, "minute": 58}
